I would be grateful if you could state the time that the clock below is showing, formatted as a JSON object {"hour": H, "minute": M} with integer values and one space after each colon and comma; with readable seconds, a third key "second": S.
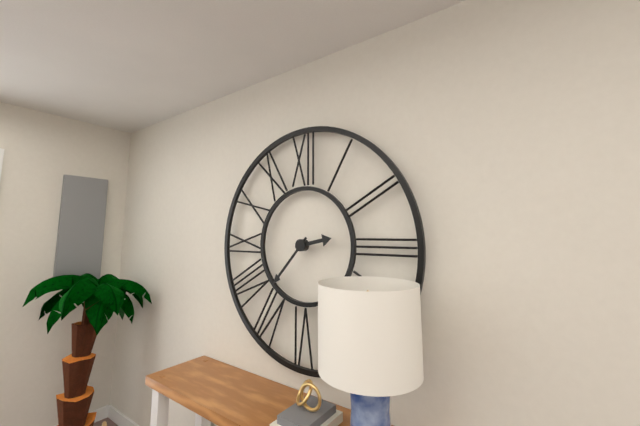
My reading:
{"hour": 2, "minute": 37}
